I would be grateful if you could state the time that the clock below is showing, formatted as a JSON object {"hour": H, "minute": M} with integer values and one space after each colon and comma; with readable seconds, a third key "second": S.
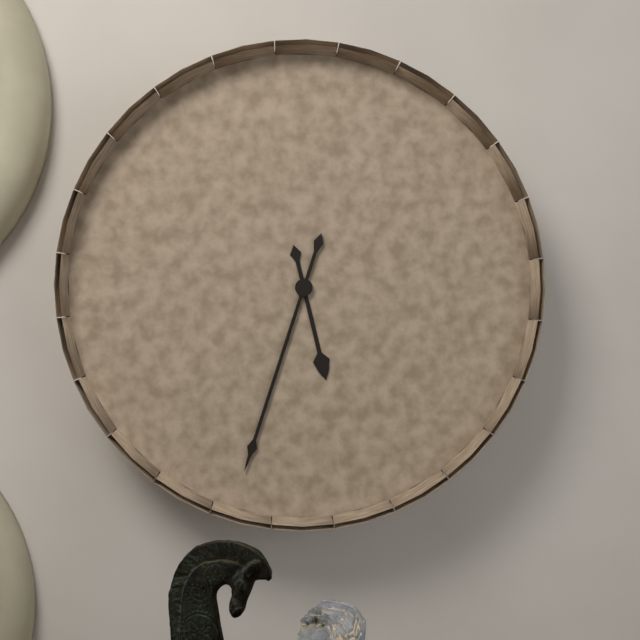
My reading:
{"hour": 5, "minute": 33}
